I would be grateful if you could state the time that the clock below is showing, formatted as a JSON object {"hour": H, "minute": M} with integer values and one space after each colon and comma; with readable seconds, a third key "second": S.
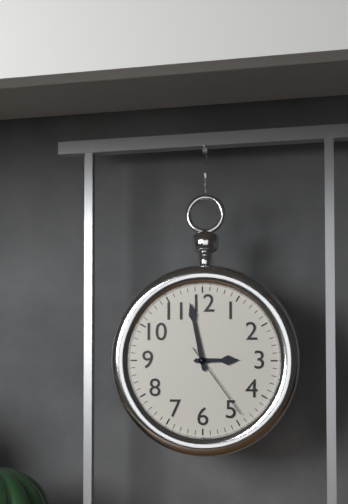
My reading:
{"hour": 2, "minute": 58, "second": 24}
